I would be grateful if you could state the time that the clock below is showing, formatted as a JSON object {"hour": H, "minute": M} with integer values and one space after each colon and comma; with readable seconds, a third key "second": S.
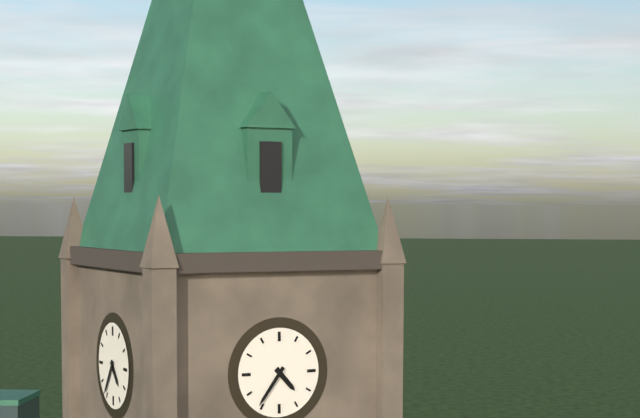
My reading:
{"hour": 4, "minute": 36}
